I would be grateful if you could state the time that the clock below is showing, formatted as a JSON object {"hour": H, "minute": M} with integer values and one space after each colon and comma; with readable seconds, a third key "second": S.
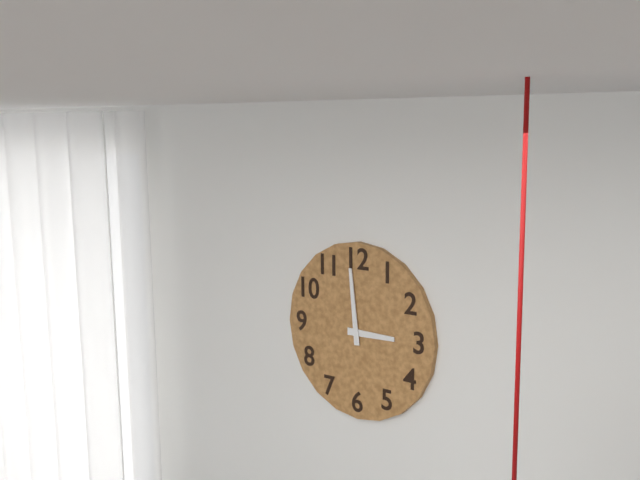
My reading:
{"hour": 2, "minute": 59}
